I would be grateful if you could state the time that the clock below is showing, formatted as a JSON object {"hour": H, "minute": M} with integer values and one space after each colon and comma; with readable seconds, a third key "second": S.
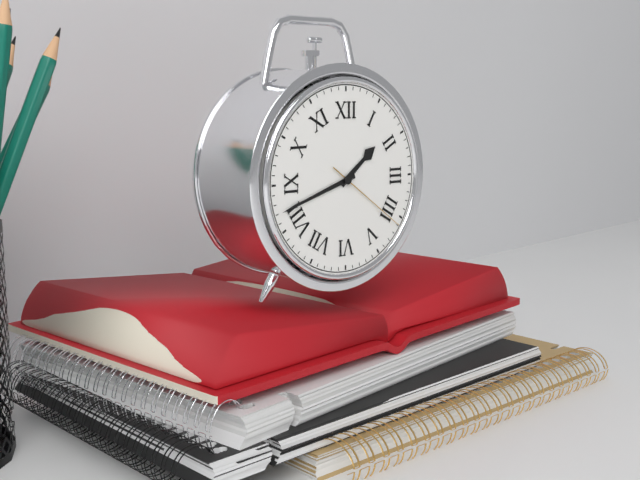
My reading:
{"hour": 1, "minute": 42, "second": 21}
